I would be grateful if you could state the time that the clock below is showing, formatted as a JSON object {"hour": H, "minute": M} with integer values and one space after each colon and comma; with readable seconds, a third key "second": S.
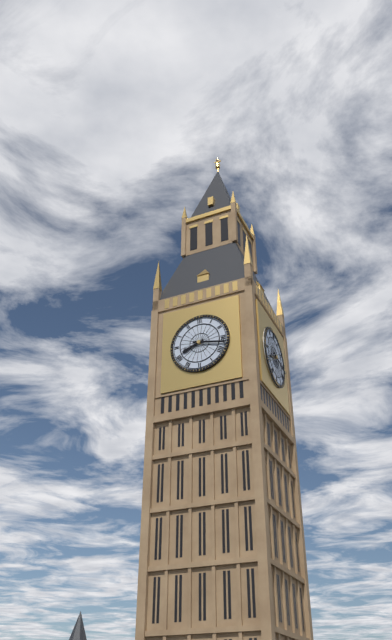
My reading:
{"hour": 8, "minute": 17}
